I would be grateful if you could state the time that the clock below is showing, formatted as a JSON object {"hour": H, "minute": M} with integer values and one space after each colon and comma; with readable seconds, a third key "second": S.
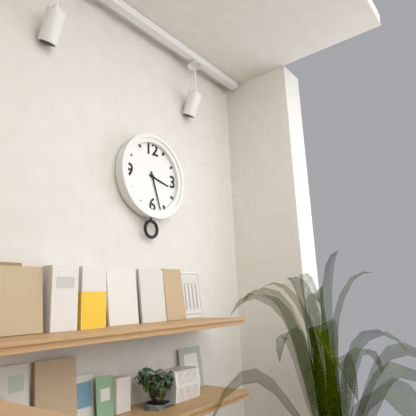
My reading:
{"hour": 3, "minute": 27}
